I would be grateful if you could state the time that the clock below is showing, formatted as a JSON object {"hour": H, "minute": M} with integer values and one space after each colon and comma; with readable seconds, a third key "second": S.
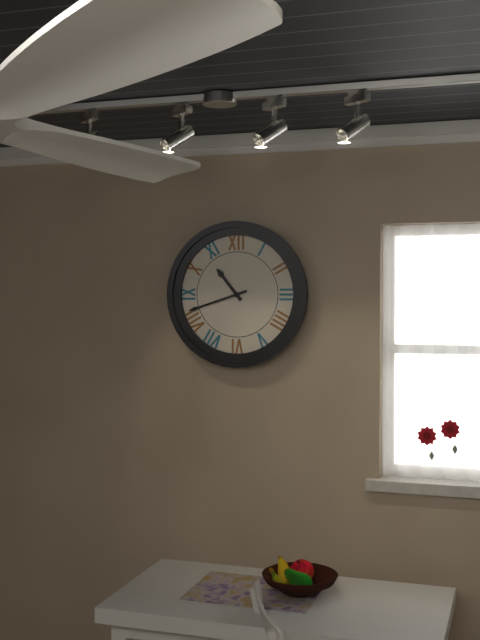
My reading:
{"hour": 10, "minute": 42}
